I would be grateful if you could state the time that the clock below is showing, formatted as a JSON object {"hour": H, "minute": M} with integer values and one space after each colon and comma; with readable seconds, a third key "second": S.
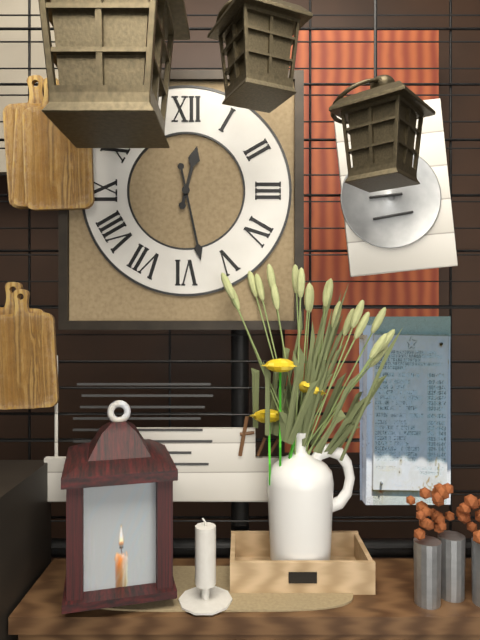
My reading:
{"hour": 12, "minute": 28}
